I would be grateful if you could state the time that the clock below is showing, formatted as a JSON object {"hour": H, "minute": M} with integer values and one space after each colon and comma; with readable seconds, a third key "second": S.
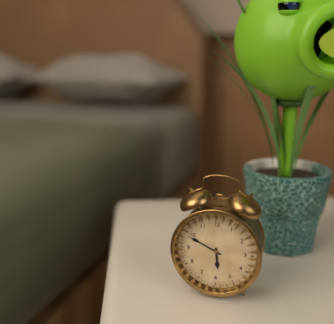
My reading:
{"hour": 5, "minute": 49}
